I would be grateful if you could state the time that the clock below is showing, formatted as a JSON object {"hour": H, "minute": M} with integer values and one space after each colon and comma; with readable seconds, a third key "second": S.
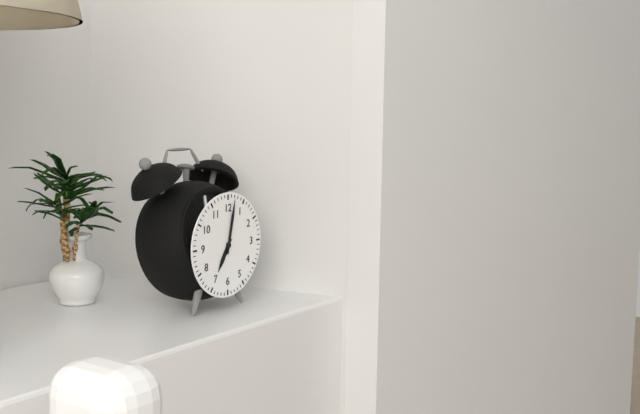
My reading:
{"hour": 7, "minute": 2}
